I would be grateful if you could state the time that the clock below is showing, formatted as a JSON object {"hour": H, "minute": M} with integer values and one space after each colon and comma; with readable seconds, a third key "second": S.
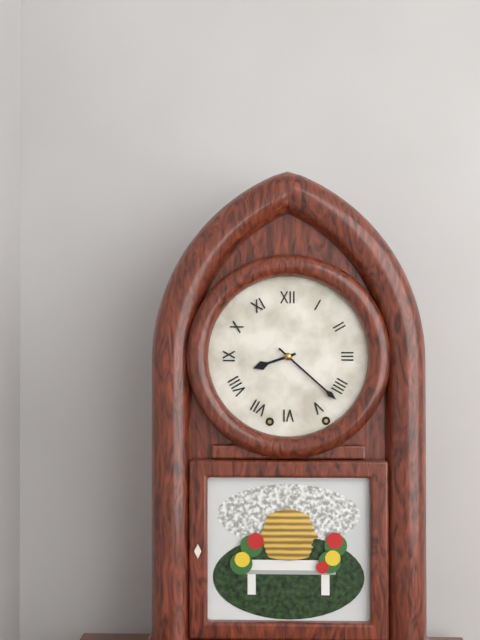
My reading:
{"hour": 8, "minute": 22}
